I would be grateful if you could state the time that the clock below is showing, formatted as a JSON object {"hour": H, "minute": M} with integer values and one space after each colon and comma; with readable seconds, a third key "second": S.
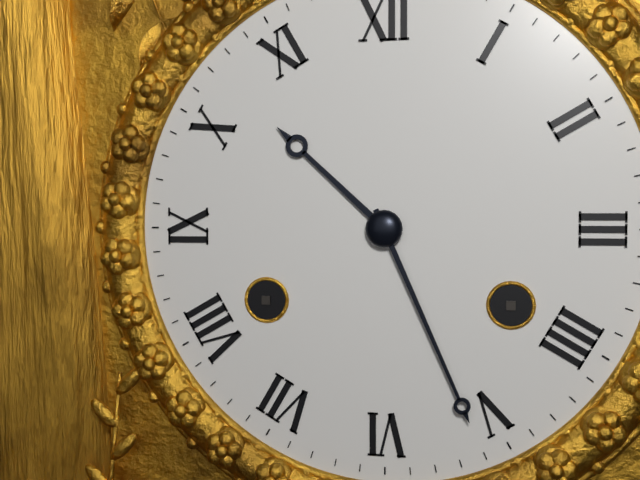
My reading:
{"hour": 10, "minute": 26}
